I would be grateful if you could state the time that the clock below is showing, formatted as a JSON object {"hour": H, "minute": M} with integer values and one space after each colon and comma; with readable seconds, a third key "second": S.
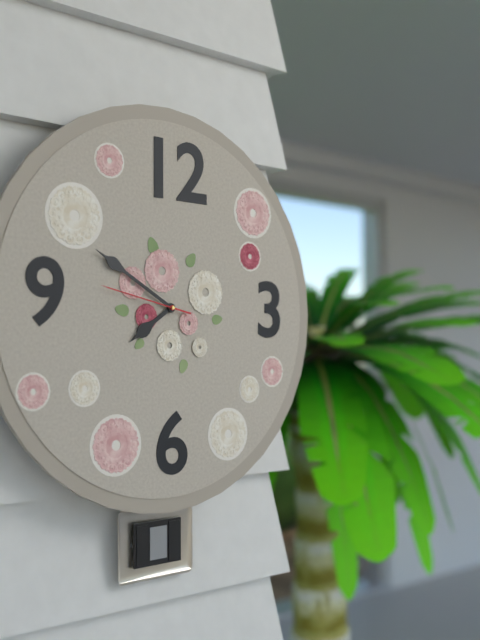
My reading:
{"hour": 7, "minute": 50, "second": 47}
